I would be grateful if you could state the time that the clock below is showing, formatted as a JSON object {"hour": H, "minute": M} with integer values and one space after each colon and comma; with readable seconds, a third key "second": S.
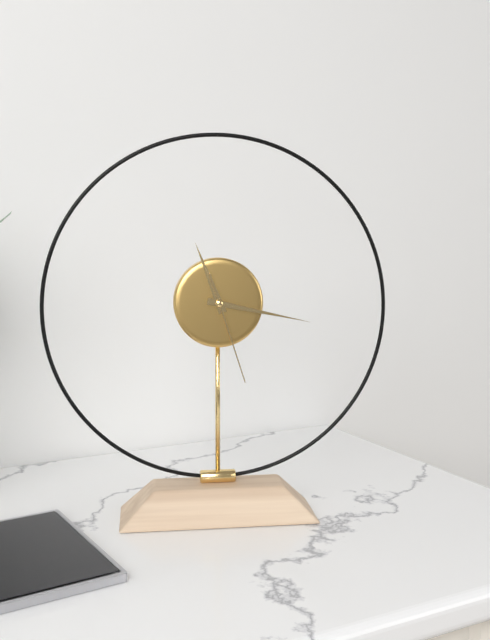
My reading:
{"hour": 11, "minute": 17, "second": 27}
